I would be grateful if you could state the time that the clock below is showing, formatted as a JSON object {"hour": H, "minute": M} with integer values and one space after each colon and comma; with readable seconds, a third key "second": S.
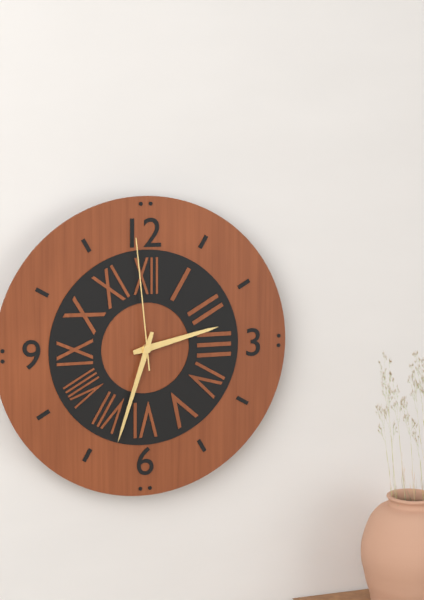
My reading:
{"hour": 2, "minute": 33, "second": 59}
